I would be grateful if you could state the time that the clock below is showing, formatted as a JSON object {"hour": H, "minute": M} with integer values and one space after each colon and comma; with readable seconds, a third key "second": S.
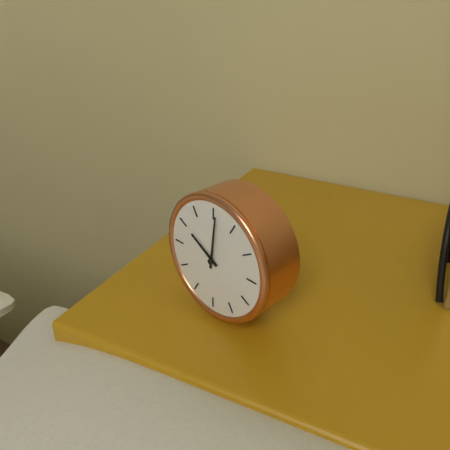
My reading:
{"hour": 10, "minute": 1}
